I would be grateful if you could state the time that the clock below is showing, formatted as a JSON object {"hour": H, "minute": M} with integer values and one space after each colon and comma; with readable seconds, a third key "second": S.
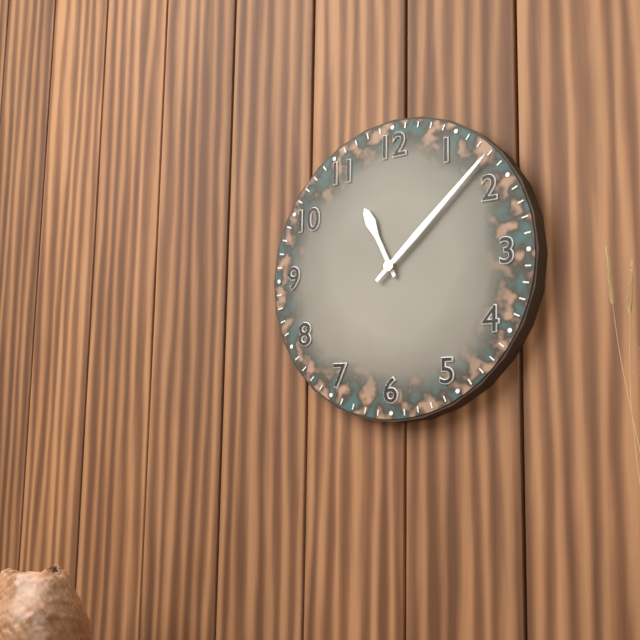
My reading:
{"hour": 11, "minute": 8}
